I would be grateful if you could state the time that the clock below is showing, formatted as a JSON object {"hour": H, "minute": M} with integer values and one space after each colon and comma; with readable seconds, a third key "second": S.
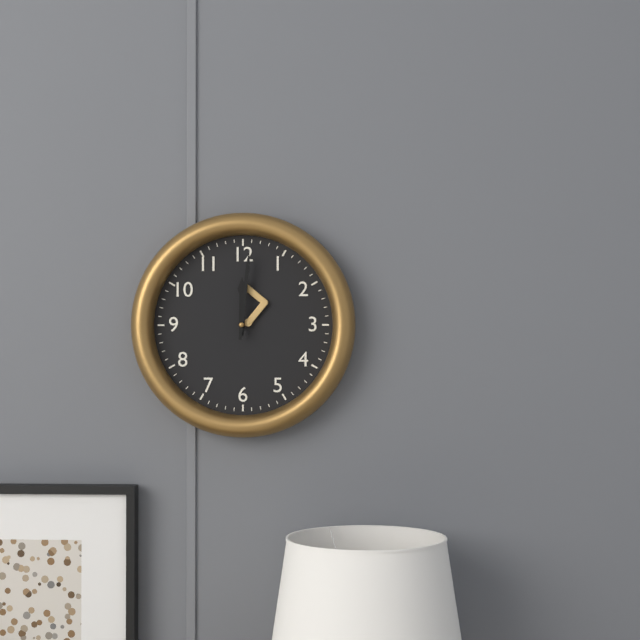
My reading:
{"hour": 12, "minute": 1}
